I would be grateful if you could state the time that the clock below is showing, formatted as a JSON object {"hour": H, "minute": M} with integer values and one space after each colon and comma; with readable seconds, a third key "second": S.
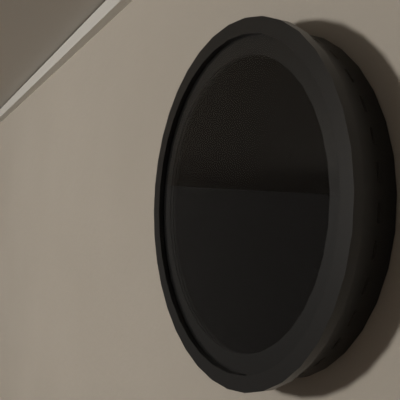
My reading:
{"hour": 1, "minute": 37}
